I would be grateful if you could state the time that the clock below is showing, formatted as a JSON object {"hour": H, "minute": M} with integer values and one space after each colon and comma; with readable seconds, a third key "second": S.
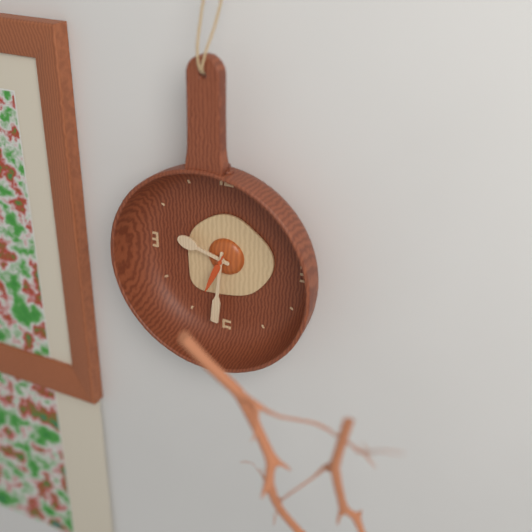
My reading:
{"hour": 9, "minute": 31}
